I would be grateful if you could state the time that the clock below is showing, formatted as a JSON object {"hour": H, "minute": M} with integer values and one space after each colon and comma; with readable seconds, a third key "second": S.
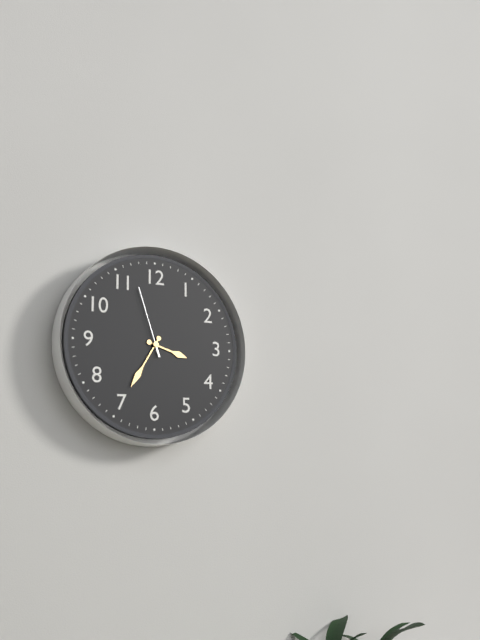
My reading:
{"hour": 3, "minute": 35, "second": 57}
